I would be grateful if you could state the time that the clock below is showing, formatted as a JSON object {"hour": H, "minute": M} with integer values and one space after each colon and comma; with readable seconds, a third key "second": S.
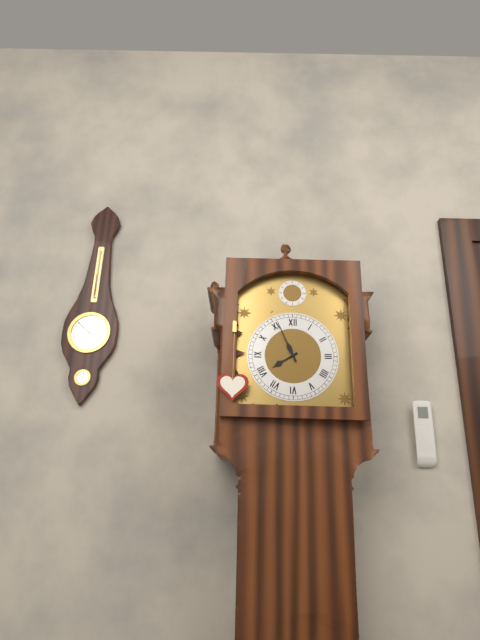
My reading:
{"hour": 7, "minute": 56}
